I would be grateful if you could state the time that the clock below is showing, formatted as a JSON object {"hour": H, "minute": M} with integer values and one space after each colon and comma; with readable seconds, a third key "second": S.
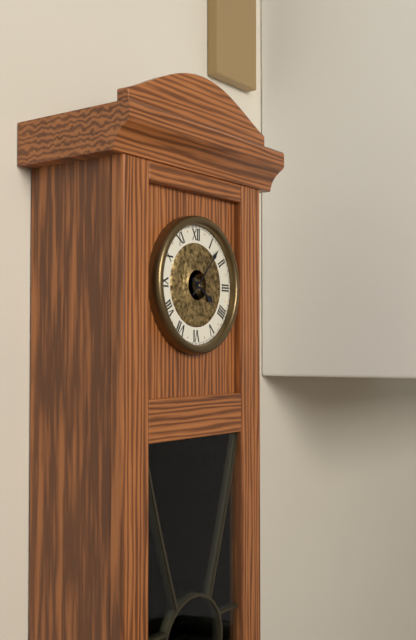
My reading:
{"hour": 4, "minute": 7}
